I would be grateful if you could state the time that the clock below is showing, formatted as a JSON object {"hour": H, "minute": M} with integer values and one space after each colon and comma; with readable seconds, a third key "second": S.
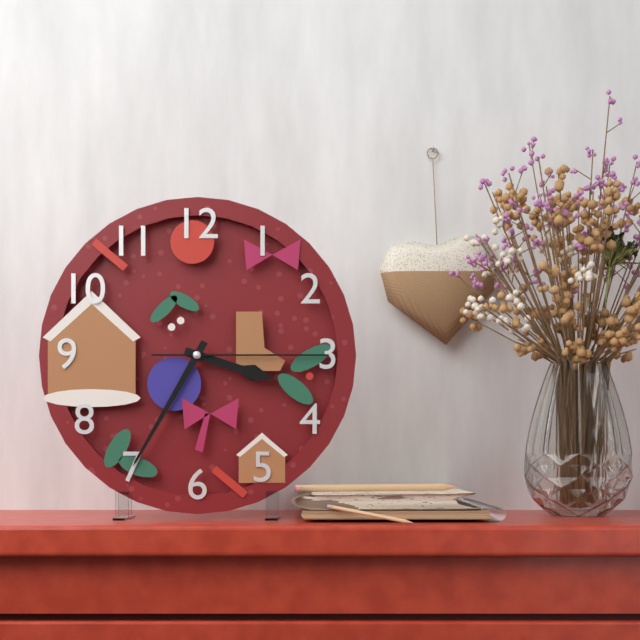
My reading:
{"hour": 3, "minute": 35, "second": 15}
